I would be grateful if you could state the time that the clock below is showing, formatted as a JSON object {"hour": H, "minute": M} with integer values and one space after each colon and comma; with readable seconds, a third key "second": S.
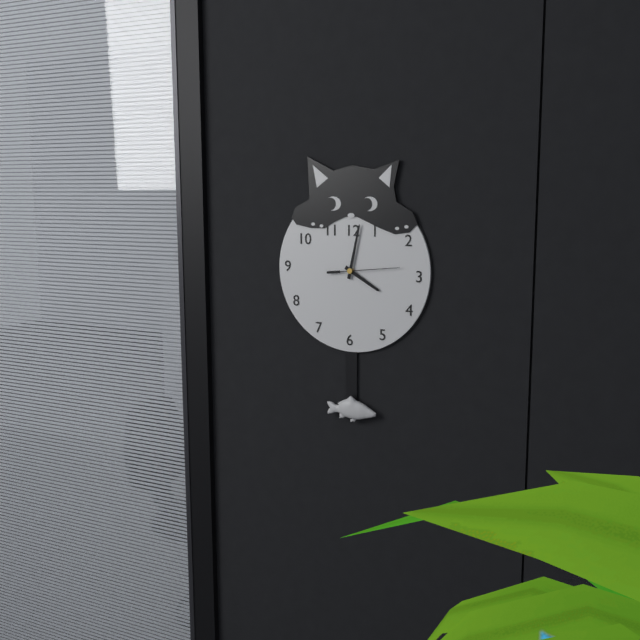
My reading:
{"hour": 4, "minute": 2, "second": 14}
